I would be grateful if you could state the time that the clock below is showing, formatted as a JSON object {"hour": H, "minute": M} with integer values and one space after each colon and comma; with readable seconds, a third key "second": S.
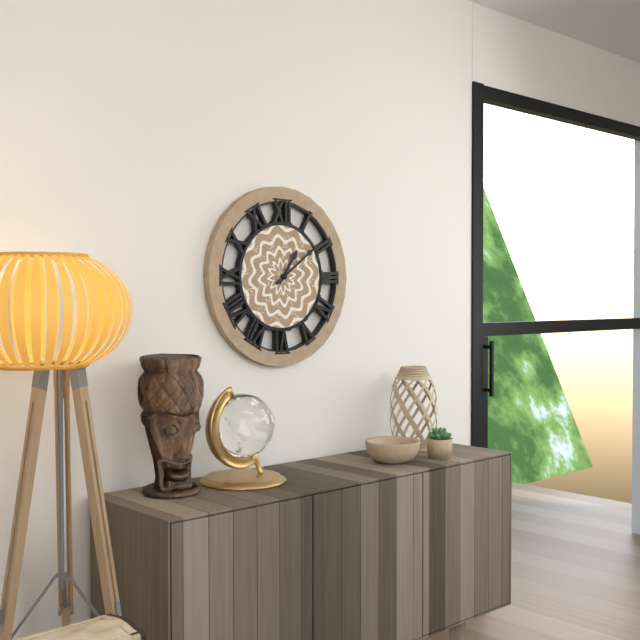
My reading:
{"hour": 1, "minute": 9}
